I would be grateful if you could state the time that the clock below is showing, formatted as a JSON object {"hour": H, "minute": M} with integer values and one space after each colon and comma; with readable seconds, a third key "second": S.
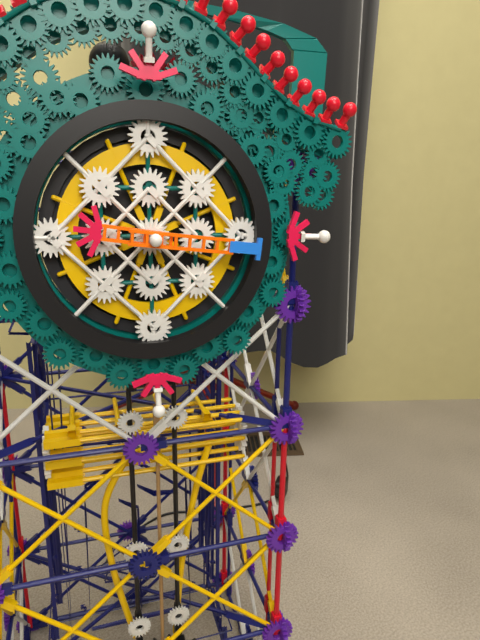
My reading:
{"hour": 9, "minute": 16}
